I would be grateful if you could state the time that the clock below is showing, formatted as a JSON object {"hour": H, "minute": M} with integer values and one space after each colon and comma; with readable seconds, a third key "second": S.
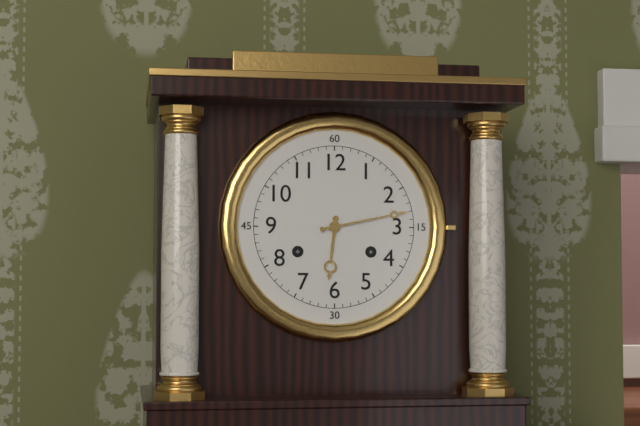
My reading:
{"hour": 6, "minute": 13}
